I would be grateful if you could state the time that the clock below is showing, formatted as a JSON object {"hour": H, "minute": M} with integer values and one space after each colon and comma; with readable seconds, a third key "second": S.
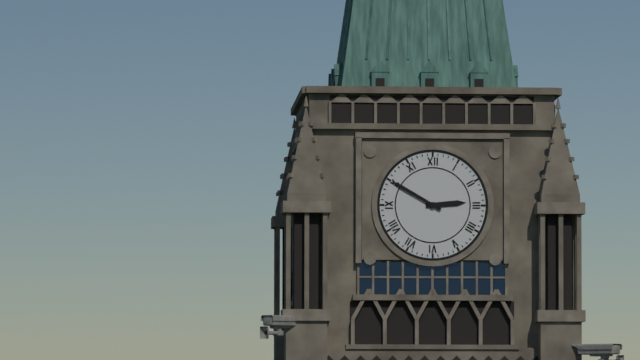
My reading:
{"hour": 2, "minute": 50}
